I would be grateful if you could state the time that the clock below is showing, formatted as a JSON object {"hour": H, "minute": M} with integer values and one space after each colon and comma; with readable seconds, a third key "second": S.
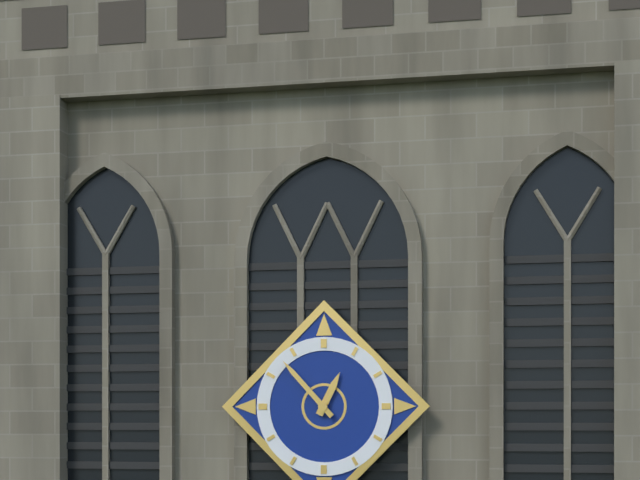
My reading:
{"hour": 12, "minute": 53}
